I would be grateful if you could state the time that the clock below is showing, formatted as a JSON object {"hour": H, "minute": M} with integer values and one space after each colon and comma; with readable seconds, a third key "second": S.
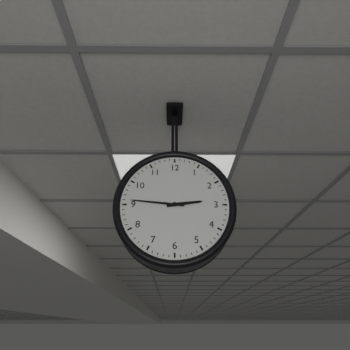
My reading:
{"hour": 2, "minute": 46}
